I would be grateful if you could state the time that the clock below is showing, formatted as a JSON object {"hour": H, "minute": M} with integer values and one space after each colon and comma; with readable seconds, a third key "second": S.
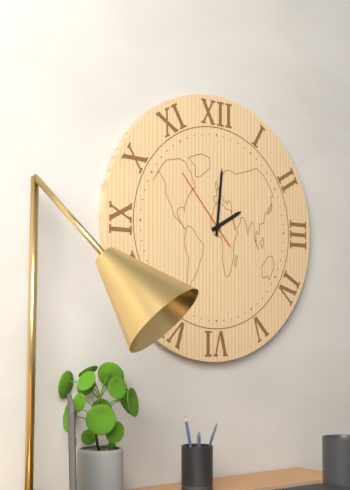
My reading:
{"hour": 2, "minute": 1, "second": 53}
